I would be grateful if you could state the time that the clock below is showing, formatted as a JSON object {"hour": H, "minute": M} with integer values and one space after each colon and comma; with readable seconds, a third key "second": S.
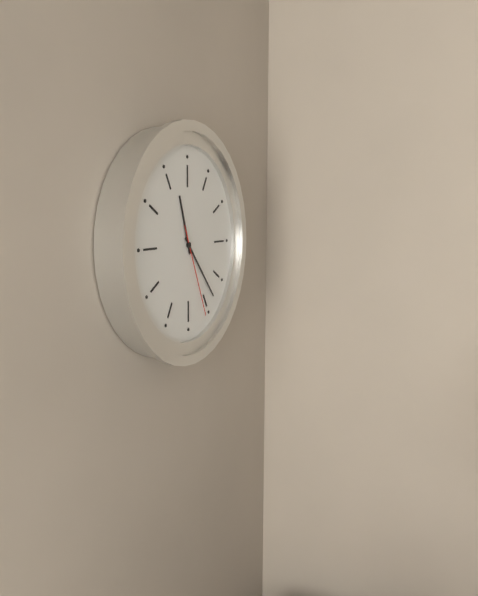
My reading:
{"hour": 11, "minute": 23, "second": 26}
